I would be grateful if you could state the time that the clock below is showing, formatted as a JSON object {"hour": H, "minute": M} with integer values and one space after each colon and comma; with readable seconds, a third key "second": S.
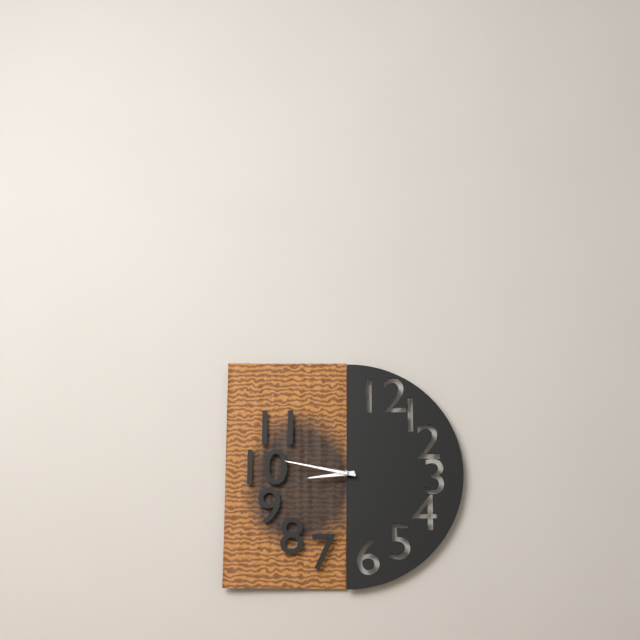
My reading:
{"hour": 8, "minute": 47}
